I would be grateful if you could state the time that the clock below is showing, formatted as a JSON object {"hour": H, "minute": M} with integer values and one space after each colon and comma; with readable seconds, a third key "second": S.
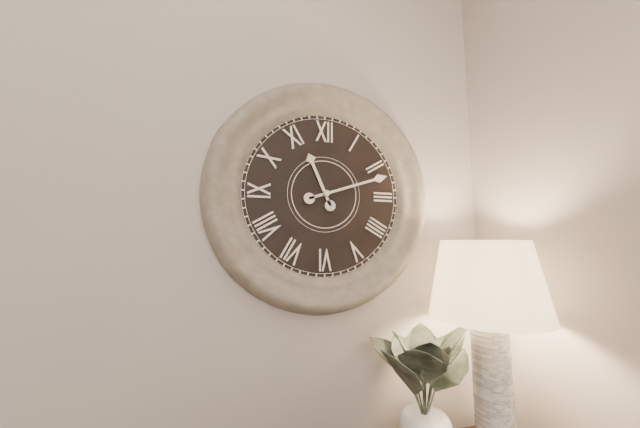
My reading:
{"hour": 11, "minute": 12}
